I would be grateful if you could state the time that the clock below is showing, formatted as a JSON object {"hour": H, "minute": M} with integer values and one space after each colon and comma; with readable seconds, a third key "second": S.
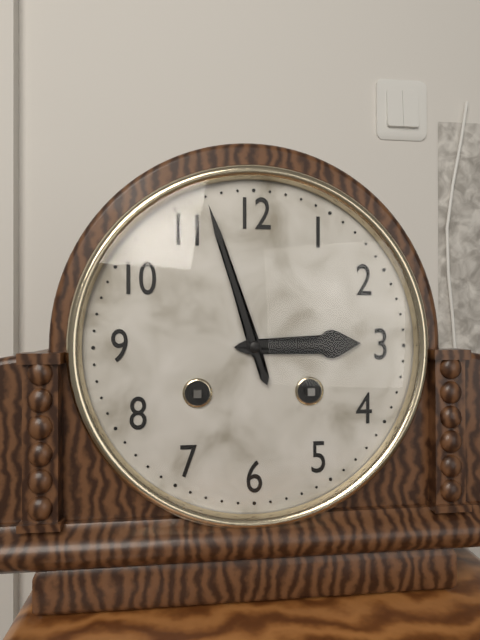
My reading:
{"hour": 2, "minute": 57}
